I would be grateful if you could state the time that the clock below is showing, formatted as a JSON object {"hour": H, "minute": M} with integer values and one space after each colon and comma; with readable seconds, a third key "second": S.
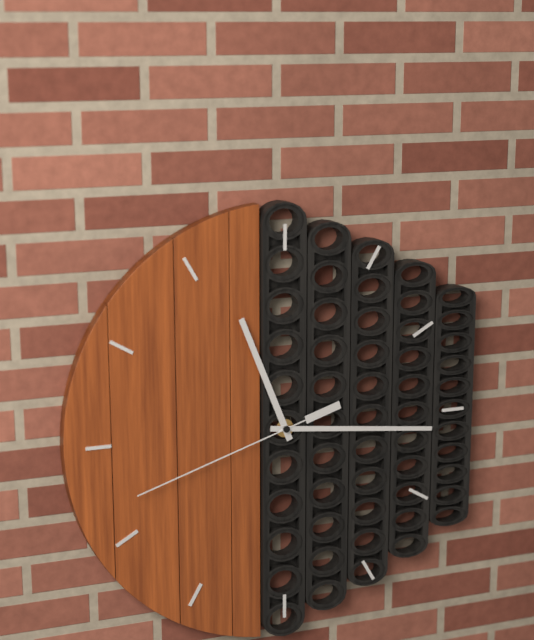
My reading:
{"hour": 11, "minute": 16, "second": 42}
